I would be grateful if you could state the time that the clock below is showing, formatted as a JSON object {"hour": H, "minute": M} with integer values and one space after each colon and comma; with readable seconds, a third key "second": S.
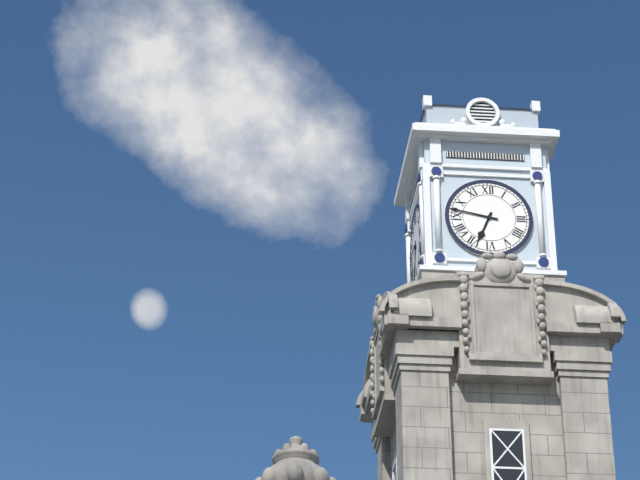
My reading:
{"hour": 6, "minute": 47}
